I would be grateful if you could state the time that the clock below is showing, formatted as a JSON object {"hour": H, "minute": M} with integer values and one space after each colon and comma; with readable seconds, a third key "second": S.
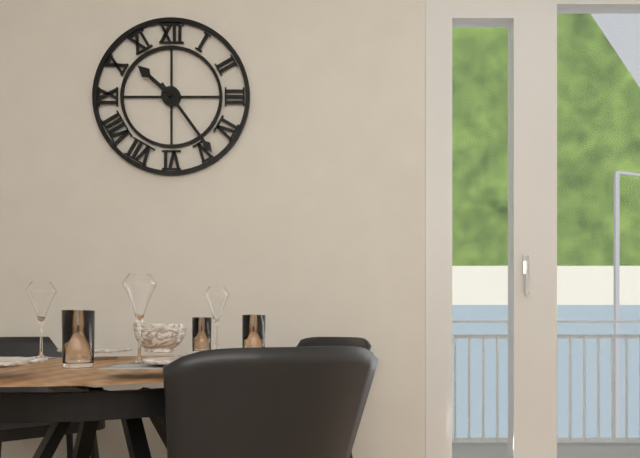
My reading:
{"hour": 10, "minute": 24}
